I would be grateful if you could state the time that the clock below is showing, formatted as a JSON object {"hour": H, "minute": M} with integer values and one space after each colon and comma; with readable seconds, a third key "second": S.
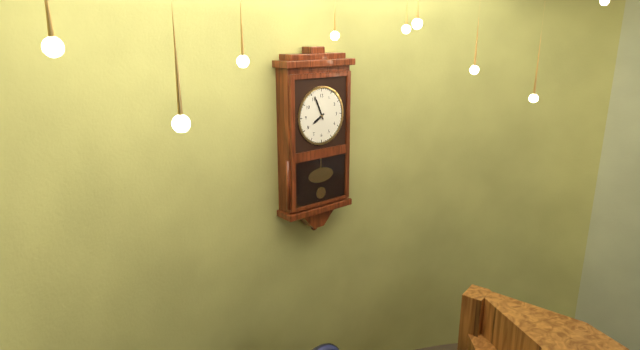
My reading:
{"hour": 7, "minute": 56}
